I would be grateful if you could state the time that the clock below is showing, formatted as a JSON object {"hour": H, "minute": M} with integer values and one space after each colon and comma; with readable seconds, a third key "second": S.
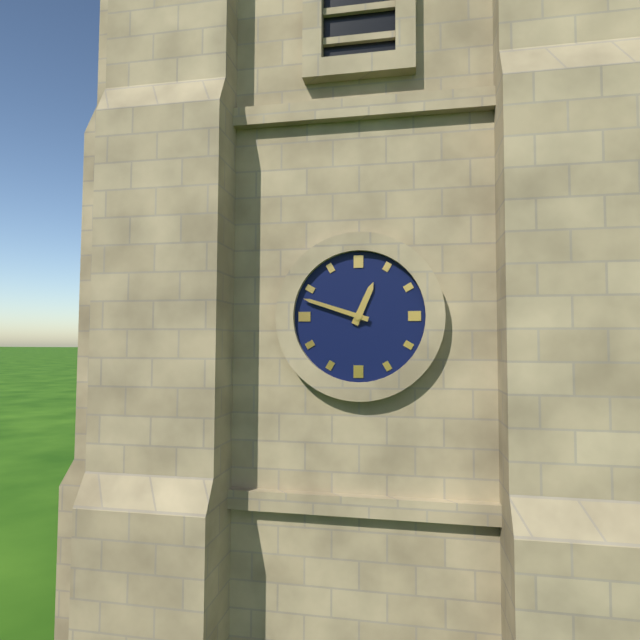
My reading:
{"hour": 12, "minute": 48}
